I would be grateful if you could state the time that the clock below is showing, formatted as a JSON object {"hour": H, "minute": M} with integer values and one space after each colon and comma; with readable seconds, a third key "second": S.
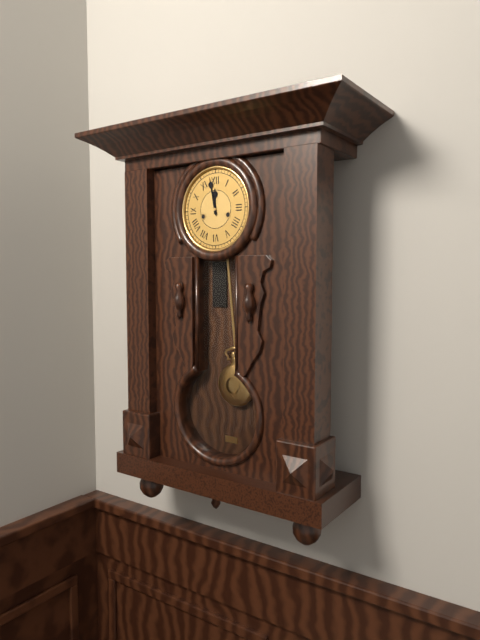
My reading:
{"hour": 11, "minute": 58}
